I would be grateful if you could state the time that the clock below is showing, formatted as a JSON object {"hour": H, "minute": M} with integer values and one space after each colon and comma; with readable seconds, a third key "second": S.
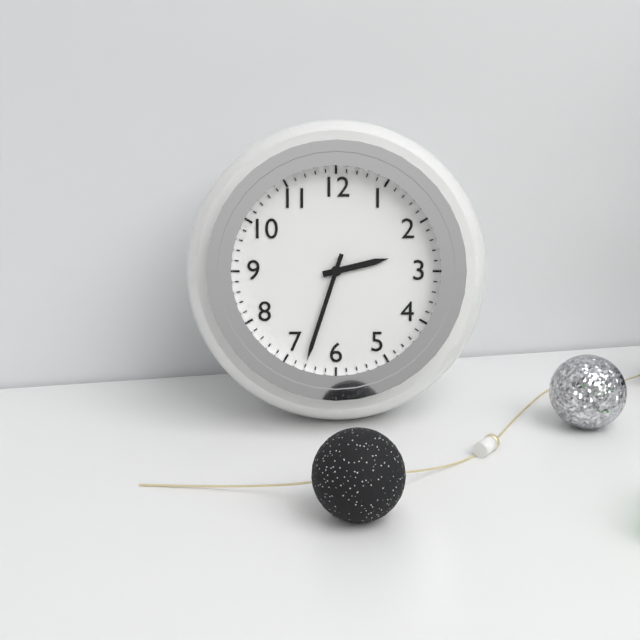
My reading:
{"hour": 2, "minute": 33}
